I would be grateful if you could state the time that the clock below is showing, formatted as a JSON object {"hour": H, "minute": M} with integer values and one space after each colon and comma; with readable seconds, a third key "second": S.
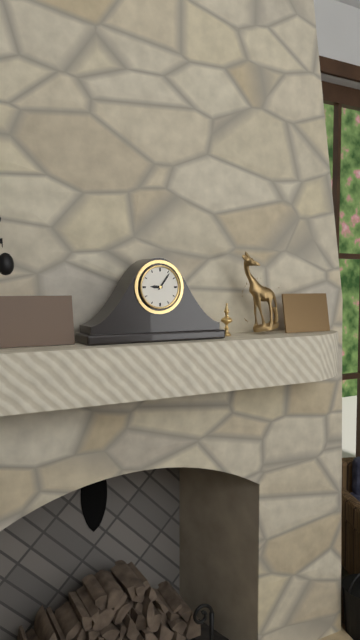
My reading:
{"hour": 9, "minute": 6}
